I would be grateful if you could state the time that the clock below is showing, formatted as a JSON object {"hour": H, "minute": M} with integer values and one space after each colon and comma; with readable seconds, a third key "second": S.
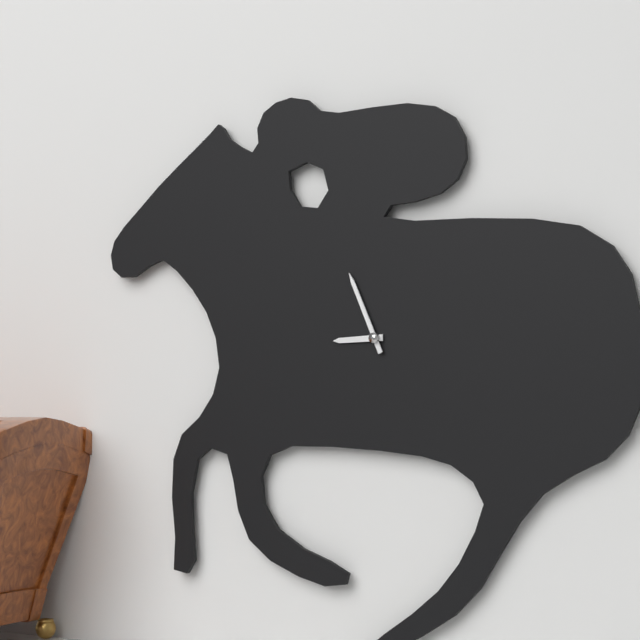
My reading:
{"hour": 8, "minute": 56}
